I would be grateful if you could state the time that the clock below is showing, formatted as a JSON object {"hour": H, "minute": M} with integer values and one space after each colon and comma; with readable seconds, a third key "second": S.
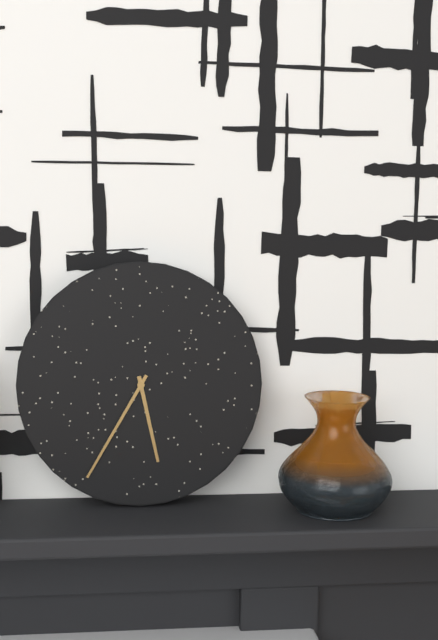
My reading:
{"hour": 5, "minute": 35}
